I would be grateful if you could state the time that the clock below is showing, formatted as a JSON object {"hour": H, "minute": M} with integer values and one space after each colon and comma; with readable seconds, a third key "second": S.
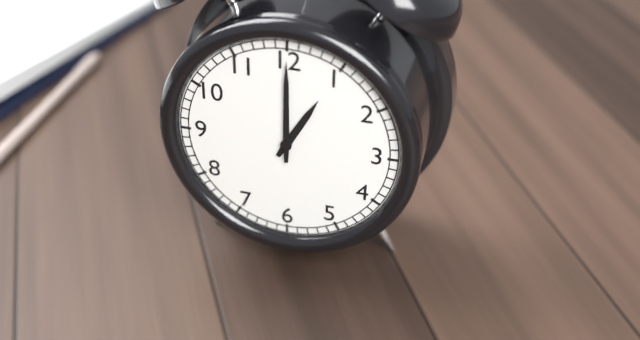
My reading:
{"hour": 1, "minute": 0}
